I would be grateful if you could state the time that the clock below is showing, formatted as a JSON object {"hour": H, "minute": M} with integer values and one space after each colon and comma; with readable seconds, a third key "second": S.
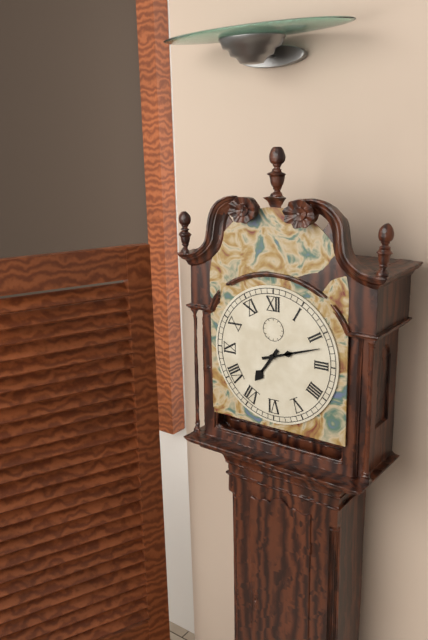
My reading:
{"hour": 7, "minute": 12}
